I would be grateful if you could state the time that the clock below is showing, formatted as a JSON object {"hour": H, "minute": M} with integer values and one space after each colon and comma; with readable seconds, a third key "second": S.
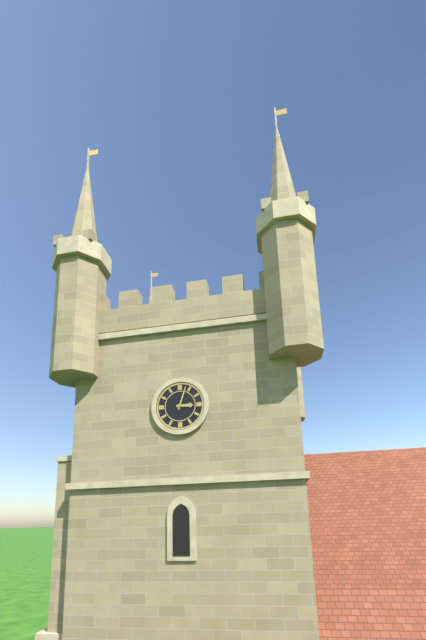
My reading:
{"hour": 3, "minute": 3}
